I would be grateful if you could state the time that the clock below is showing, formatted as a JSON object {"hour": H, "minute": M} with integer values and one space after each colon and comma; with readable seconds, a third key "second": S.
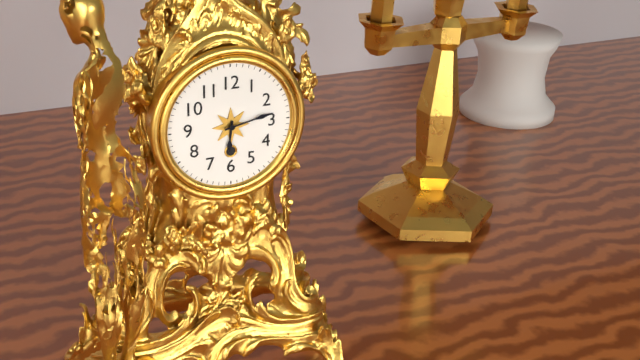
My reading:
{"hour": 6, "minute": 13}
